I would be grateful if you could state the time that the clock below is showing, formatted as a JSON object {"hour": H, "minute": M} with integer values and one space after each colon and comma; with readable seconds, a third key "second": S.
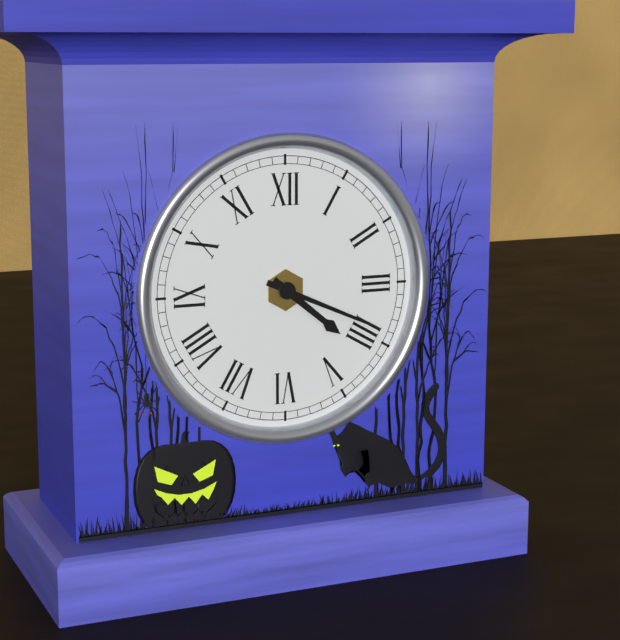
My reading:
{"hour": 4, "minute": 19}
